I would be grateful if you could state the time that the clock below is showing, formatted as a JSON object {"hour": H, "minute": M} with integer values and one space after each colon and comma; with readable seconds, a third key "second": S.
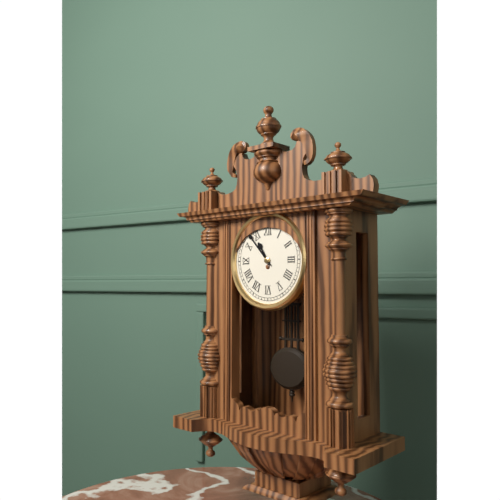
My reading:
{"hour": 10, "minute": 53}
